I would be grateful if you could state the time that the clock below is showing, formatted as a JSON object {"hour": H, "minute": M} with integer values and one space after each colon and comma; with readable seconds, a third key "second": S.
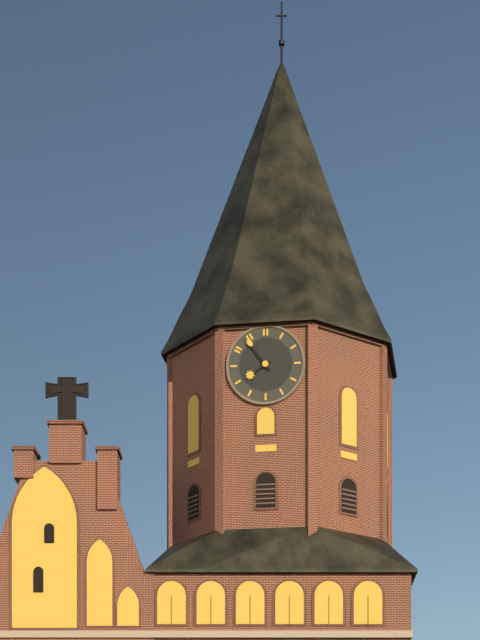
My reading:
{"hour": 7, "minute": 54}
